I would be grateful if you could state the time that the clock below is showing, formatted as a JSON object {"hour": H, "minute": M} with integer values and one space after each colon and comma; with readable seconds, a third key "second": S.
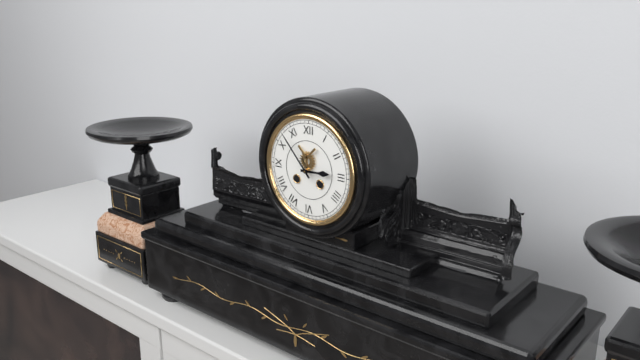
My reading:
{"hour": 2, "minute": 53}
